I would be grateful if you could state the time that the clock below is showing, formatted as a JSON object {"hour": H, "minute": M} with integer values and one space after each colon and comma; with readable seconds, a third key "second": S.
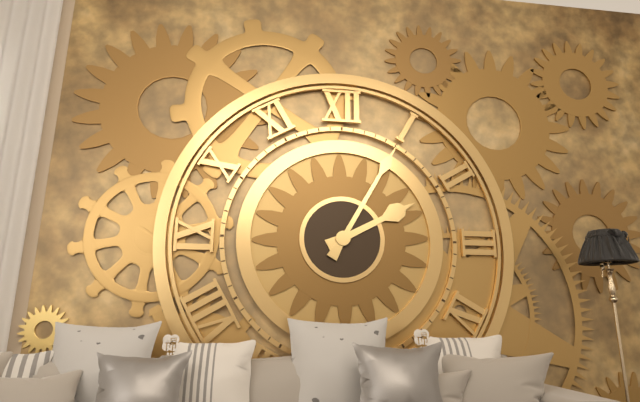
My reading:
{"hour": 2, "minute": 5}
